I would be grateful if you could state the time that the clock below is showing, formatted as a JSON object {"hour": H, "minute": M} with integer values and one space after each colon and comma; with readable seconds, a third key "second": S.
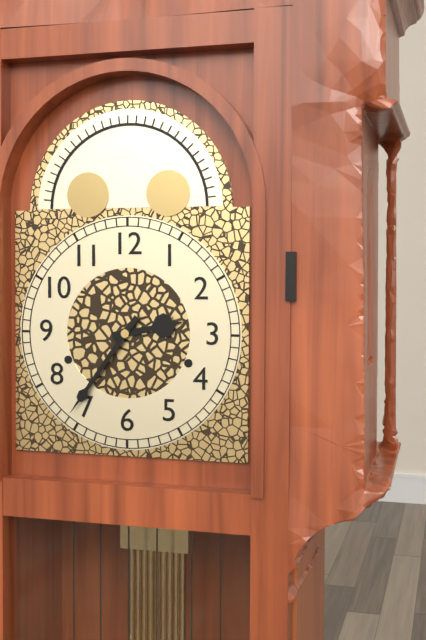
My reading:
{"hour": 2, "minute": 36}
